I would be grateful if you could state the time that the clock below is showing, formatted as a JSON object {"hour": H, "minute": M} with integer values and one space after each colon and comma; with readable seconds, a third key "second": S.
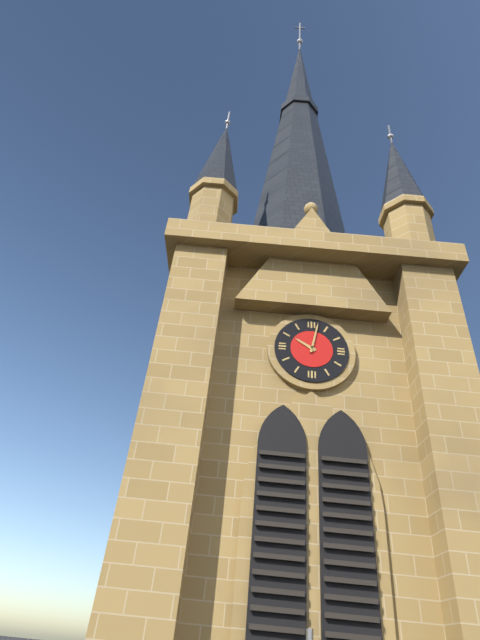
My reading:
{"hour": 10, "minute": 2}
